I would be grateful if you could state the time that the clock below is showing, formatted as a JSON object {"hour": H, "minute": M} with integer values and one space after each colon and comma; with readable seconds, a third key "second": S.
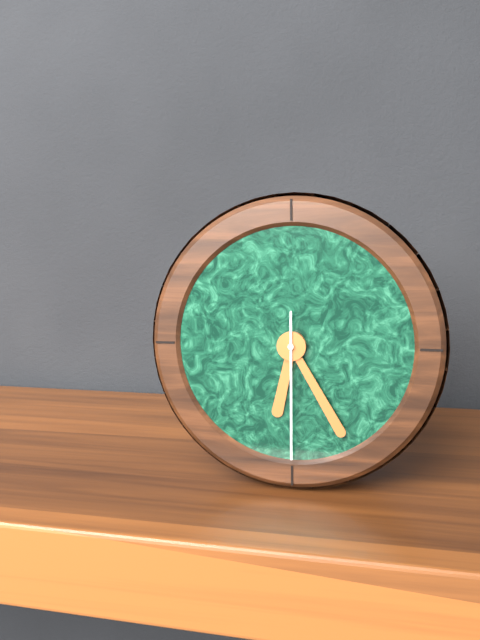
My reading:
{"hour": 6, "minute": 25, "second": 30}
